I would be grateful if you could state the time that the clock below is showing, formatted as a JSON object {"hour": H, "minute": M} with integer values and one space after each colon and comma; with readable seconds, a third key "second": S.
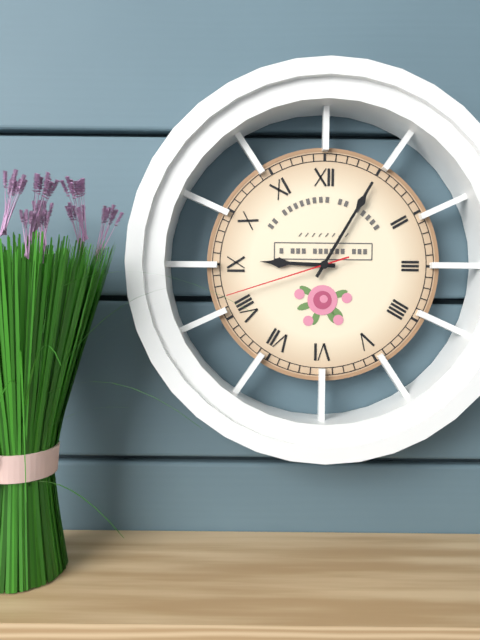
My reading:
{"hour": 9, "minute": 5, "second": 42}
